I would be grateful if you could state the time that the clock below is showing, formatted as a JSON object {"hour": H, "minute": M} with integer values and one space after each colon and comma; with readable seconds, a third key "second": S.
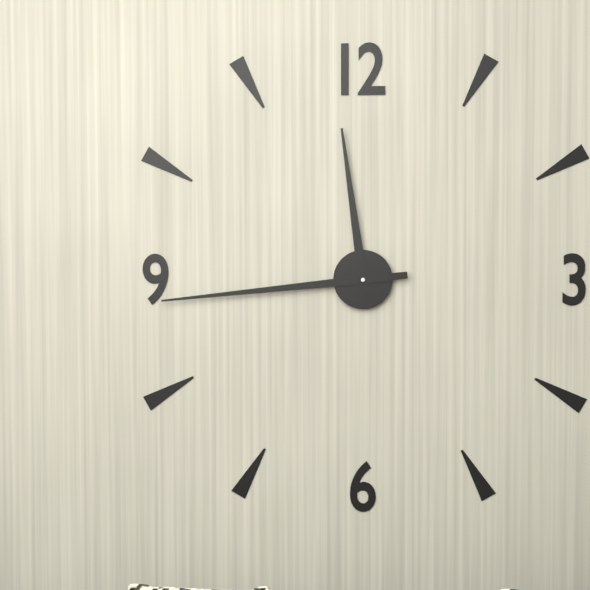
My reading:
{"hour": 11, "minute": 44}
